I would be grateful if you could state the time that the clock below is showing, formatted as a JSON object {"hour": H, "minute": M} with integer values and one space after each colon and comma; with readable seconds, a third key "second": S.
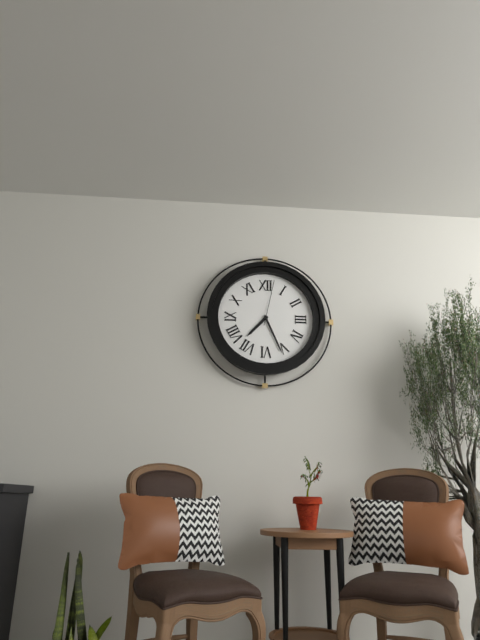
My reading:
{"hour": 7, "minute": 26}
